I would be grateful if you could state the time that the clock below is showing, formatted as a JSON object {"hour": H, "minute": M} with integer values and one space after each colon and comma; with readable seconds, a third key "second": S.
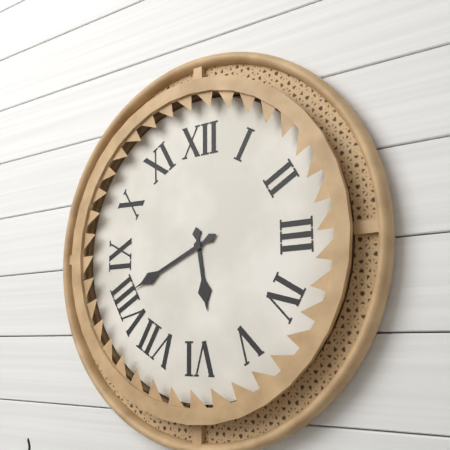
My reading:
{"hour": 5, "minute": 41}
